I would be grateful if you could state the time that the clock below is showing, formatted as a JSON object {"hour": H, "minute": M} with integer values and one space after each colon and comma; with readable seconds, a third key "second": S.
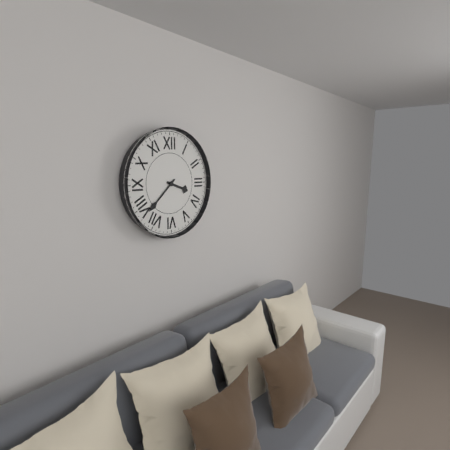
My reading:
{"hour": 3, "minute": 38}
